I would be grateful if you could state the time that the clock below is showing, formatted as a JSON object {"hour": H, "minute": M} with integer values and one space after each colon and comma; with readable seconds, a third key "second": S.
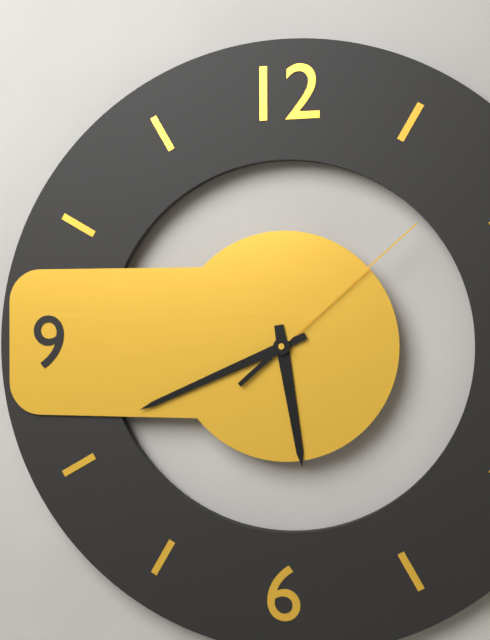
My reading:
{"hour": 5, "minute": 41, "second": 8}
